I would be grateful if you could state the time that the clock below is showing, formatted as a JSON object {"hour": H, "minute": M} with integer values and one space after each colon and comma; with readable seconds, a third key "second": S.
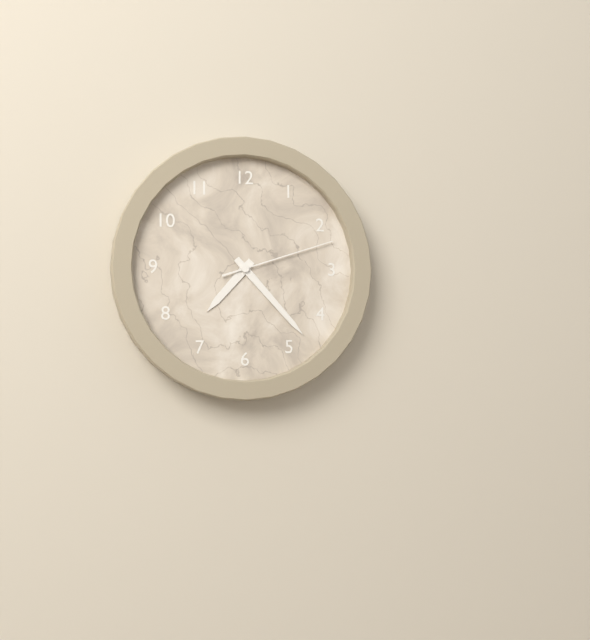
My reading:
{"hour": 7, "minute": 23, "second": 12}
